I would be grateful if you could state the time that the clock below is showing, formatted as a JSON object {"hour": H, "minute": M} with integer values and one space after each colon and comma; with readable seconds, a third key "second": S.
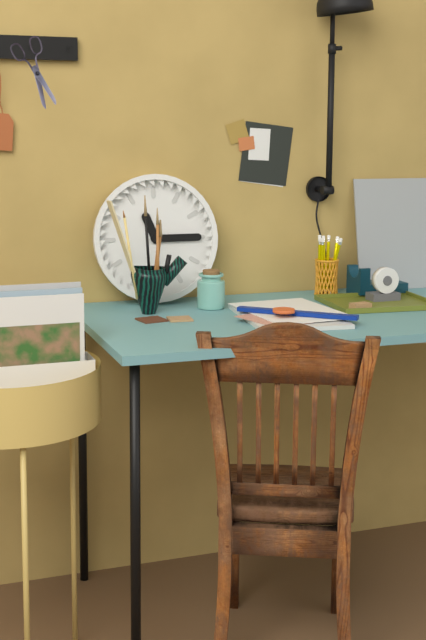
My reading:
{"hour": 11, "minute": 15}
